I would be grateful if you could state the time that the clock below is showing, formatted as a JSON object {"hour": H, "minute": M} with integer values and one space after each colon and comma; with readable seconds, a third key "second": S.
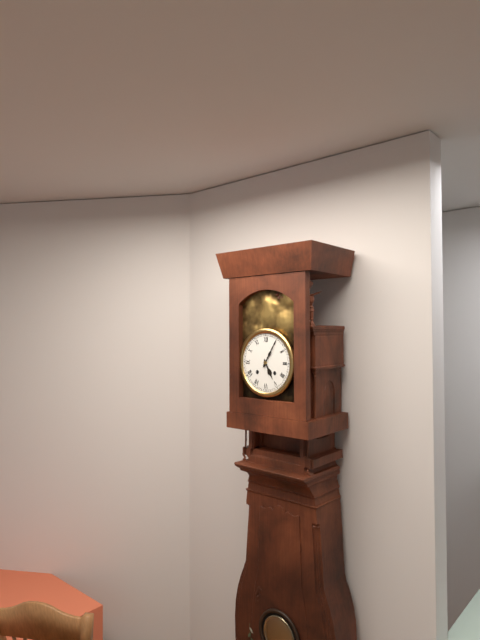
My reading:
{"hour": 5, "minute": 5}
